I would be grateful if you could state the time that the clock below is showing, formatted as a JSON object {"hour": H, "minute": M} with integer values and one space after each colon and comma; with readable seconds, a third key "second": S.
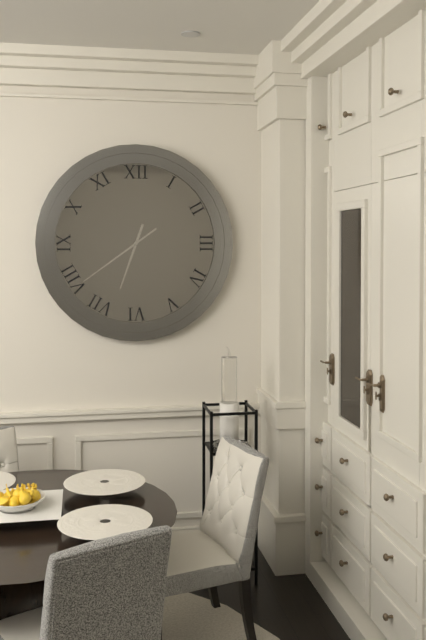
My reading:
{"hour": 6, "minute": 39}
